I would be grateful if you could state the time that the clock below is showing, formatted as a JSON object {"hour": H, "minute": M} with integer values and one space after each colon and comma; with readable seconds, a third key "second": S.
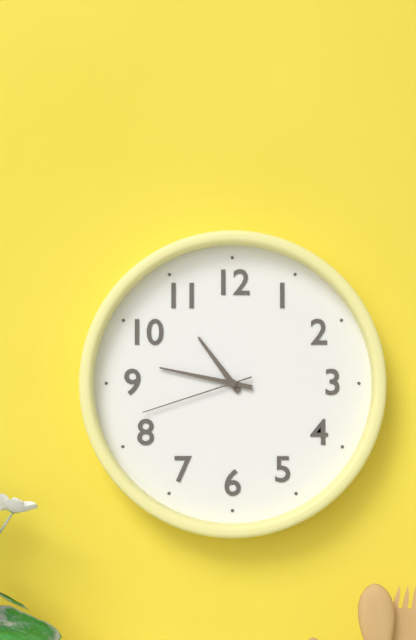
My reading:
{"hour": 10, "minute": 47, "second": 42}
